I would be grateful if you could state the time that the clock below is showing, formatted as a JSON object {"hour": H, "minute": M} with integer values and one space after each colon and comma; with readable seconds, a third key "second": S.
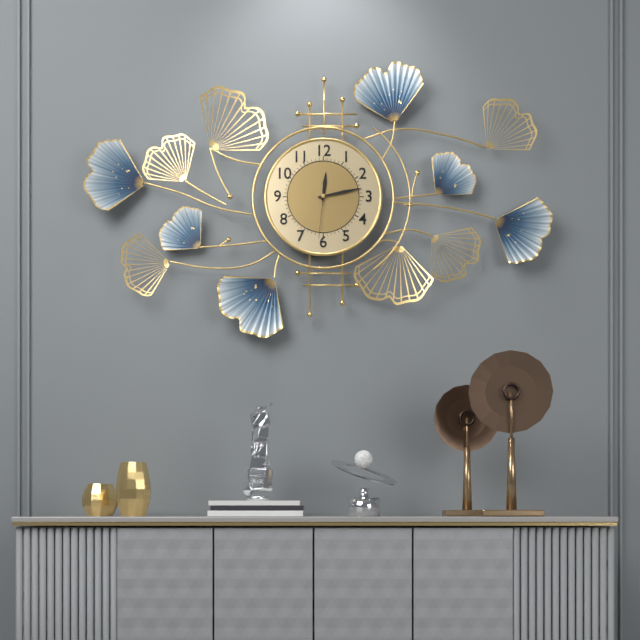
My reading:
{"hour": 12, "minute": 13, "second": 31}
